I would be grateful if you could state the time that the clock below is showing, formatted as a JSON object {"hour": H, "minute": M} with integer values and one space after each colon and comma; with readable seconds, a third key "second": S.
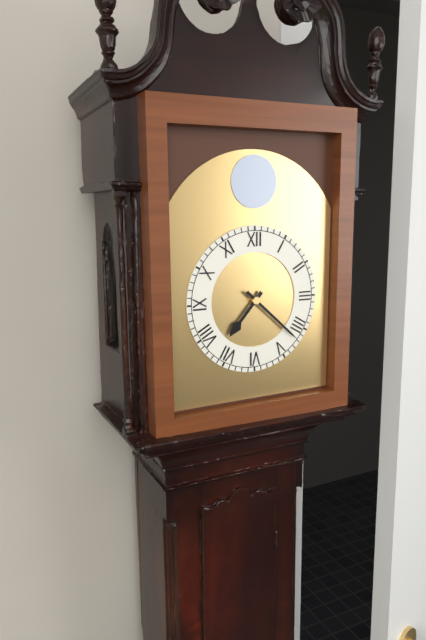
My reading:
{"hour": 7, "minute": 22}
